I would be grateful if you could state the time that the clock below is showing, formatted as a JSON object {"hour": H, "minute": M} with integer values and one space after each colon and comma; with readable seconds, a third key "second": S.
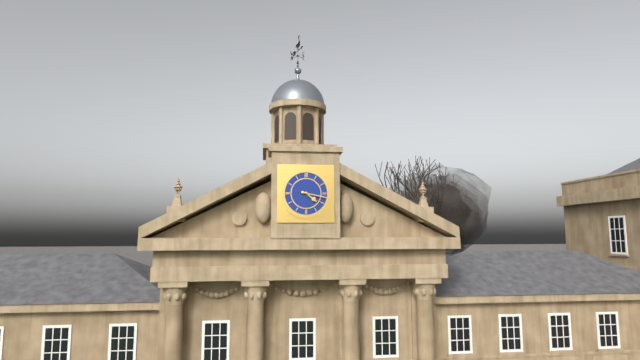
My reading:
{"hour": 4, "minute": 17}
